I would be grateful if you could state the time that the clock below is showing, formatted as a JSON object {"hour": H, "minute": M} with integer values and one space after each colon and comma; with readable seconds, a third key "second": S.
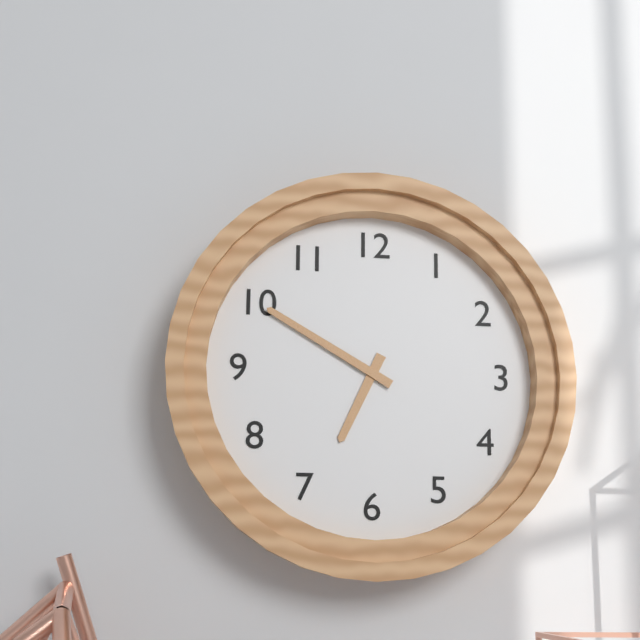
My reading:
{"hour": 6, "minute": 50}
